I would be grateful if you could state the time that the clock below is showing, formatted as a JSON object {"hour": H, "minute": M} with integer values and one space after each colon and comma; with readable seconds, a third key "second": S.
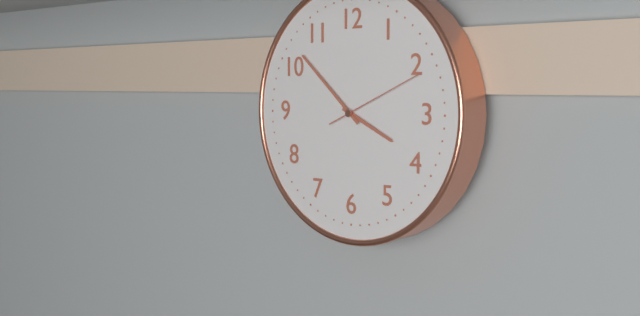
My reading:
{"hour": 3, "minute": 52, "second": 11}
